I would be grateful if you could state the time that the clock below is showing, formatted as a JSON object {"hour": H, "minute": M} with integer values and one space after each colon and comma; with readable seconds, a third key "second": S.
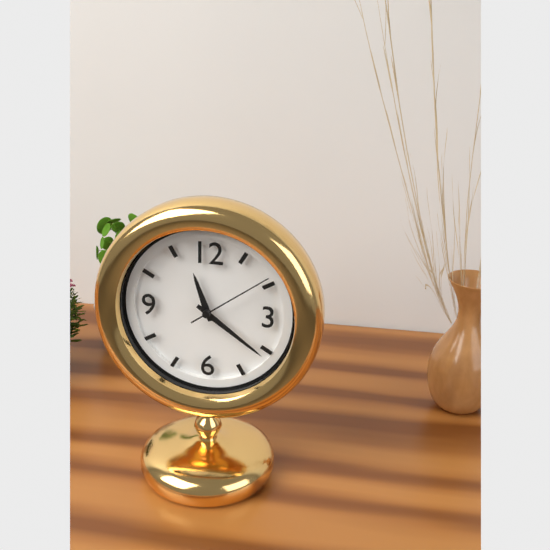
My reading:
{"hour": 11, "minute": 21, "second": 9}
